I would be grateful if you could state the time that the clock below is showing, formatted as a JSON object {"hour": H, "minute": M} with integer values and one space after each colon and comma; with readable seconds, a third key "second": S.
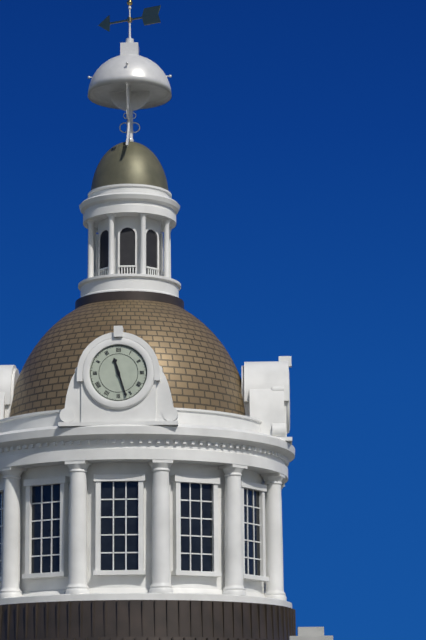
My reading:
{"hour": 11, "minute": 27}
